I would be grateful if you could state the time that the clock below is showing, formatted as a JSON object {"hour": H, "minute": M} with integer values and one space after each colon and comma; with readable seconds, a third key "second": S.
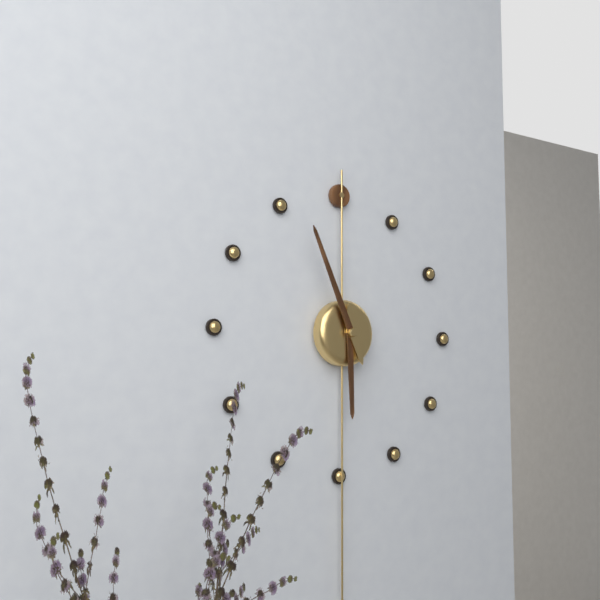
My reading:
{"hour": 5, "minute": 56}
